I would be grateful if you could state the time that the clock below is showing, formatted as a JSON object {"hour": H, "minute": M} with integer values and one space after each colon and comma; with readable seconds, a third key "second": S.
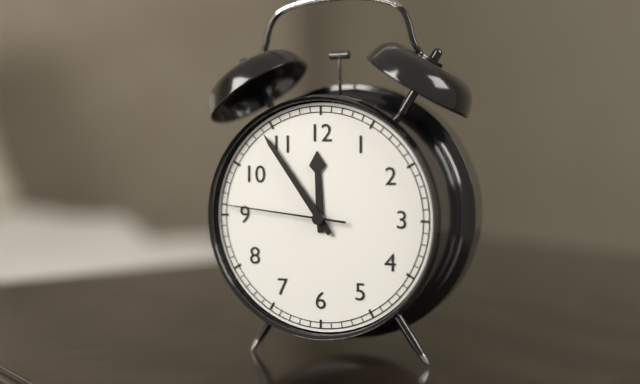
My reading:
{"hour": 11, "minute": 54, "second": 46}
